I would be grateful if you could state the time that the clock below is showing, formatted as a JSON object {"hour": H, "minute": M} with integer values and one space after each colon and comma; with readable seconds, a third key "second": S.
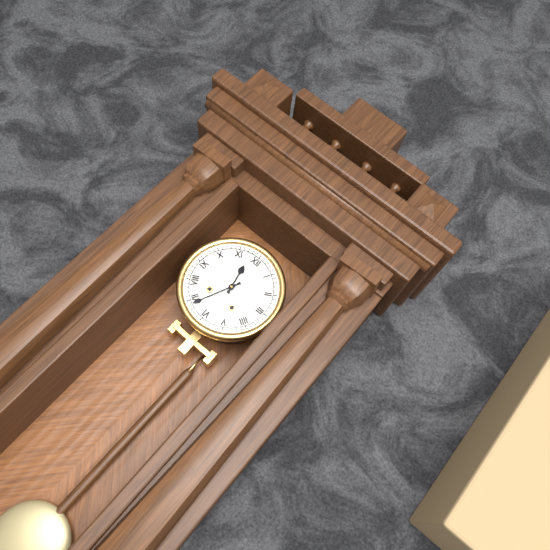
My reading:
{"hour": 11, "minute": 34}
